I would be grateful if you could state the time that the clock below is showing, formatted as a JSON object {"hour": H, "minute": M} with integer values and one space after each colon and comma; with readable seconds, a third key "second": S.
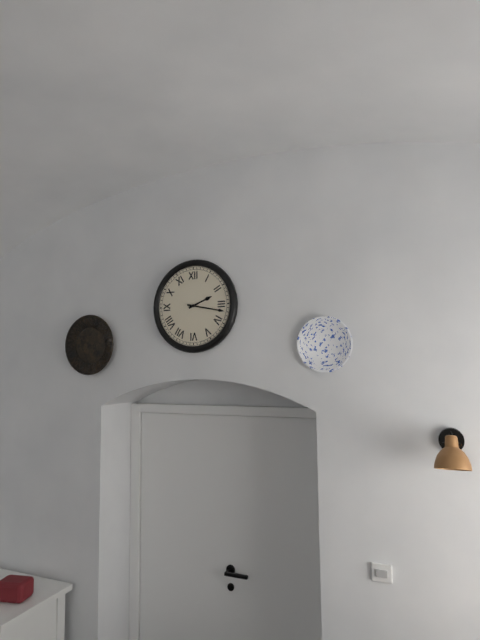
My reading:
{"hour": 2, "minute": 17}
